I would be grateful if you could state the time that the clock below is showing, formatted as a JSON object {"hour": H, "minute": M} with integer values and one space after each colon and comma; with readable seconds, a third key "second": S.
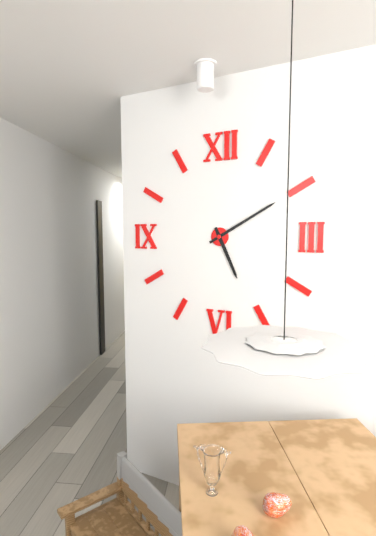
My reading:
{"hour": 5, "minute": 10}
